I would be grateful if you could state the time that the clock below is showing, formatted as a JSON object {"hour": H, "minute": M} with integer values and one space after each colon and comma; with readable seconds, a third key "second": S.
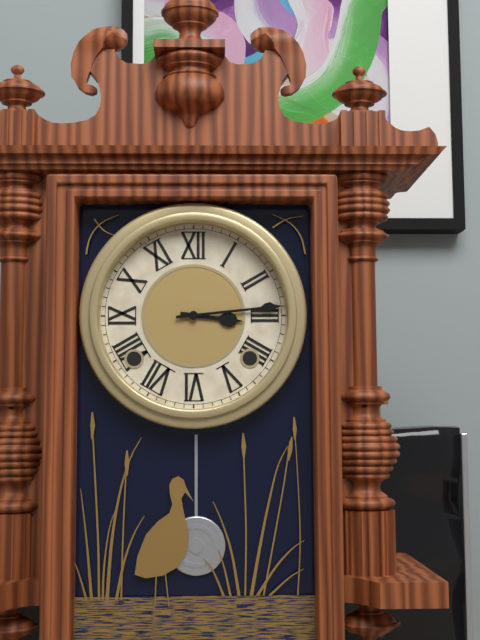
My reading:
{"hour": 3, "minute": 14}
